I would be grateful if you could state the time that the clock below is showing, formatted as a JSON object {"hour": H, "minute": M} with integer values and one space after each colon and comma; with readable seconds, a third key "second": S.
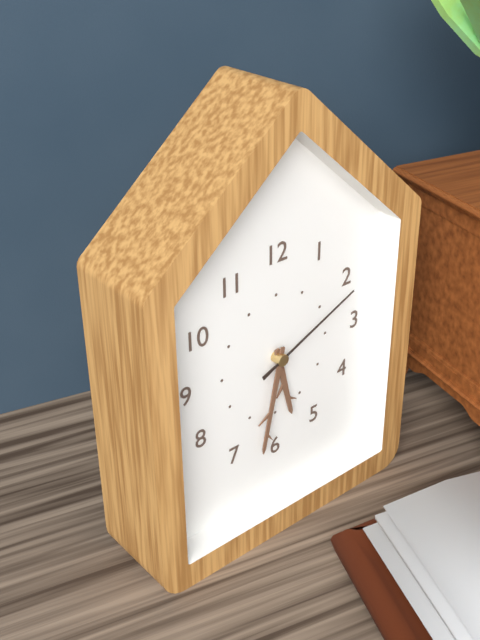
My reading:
{"hour": 5, "minute": 32, "second": 11}
